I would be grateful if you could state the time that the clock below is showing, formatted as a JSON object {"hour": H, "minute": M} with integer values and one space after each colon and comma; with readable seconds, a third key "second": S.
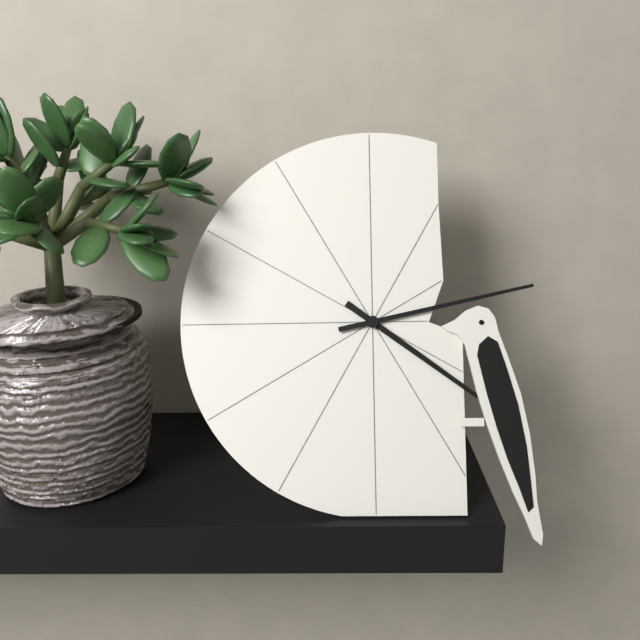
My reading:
{"hour": 4, "minute": 13}
